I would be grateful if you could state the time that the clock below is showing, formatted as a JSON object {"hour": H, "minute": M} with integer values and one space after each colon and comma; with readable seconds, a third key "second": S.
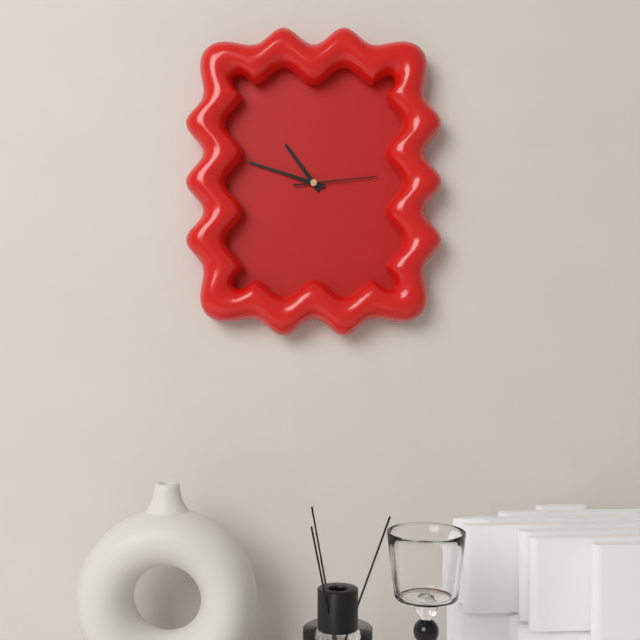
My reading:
{"hour": 10, "minute": 48, "second": 14}
